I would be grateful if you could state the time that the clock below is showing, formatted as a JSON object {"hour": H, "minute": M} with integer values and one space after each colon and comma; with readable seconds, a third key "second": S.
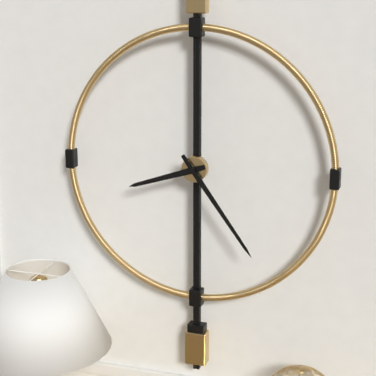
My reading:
{"hour": 8, "minute": 24}
